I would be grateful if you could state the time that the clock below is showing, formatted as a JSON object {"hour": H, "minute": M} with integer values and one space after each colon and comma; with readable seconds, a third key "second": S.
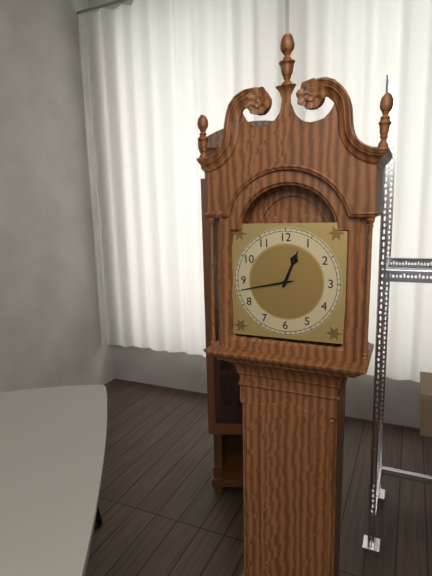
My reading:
{"hour": 12, "minute": 43}
